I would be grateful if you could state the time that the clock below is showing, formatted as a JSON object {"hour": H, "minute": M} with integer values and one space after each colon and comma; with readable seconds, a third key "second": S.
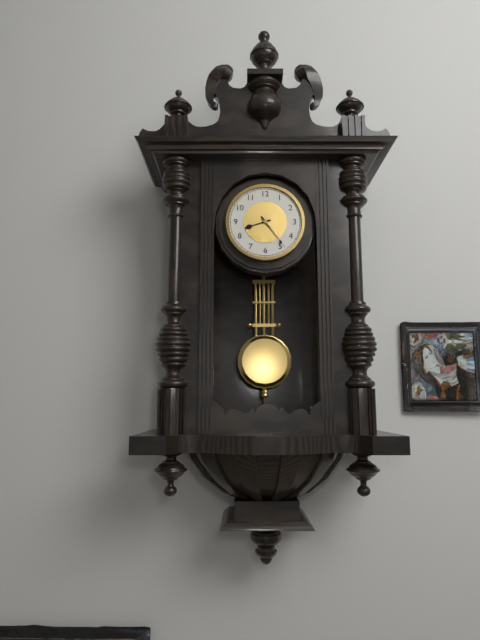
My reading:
{"hour": 8, "minute": 24}
